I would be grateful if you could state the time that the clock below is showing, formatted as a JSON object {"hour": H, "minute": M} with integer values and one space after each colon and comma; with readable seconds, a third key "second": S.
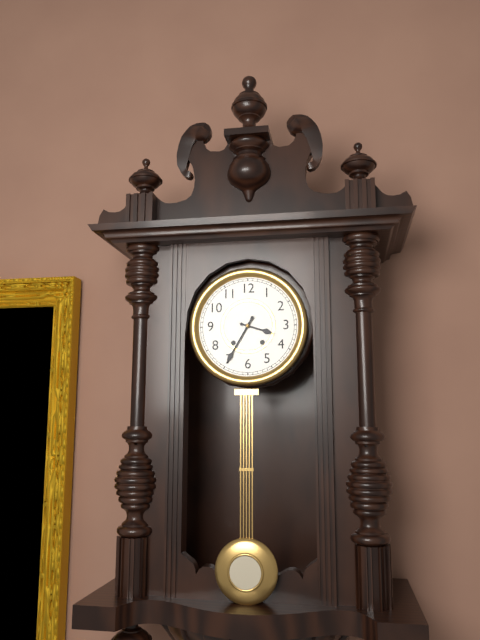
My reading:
{"hour": 3, "minute": 35}
